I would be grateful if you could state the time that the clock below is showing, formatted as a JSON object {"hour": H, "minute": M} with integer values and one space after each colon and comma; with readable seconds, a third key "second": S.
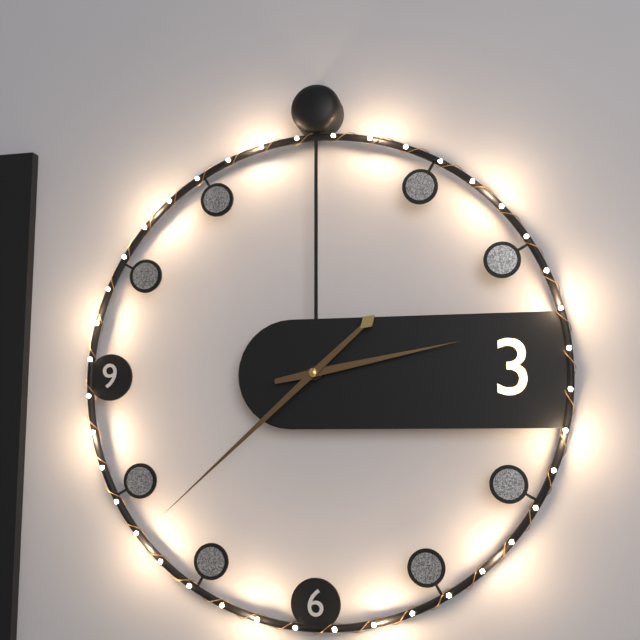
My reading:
{"hour": 2, "minute": 38}
